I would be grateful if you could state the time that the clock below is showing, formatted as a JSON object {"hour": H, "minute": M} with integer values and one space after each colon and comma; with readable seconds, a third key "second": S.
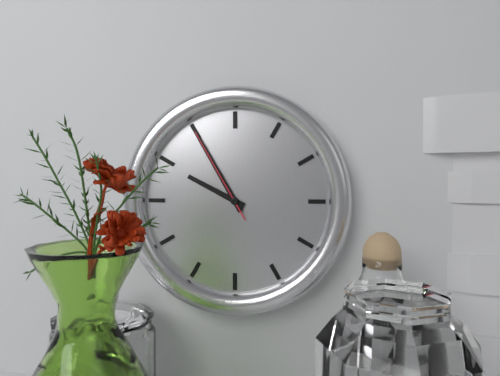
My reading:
{"hour": 9, "minute": 55, "second": 55}
